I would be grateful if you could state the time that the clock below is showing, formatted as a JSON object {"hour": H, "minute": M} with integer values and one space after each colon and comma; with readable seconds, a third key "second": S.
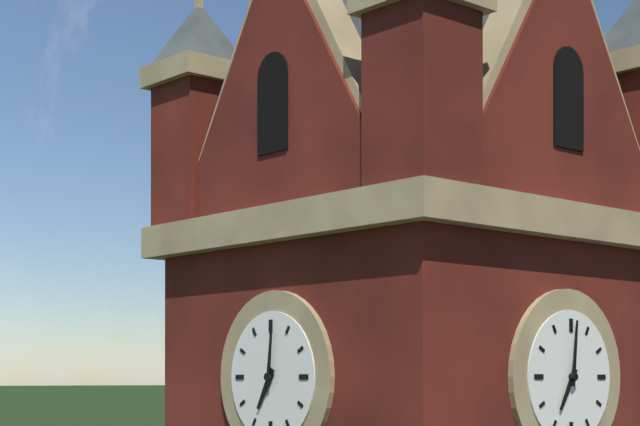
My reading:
{"hour": 7, "minute": 1}
